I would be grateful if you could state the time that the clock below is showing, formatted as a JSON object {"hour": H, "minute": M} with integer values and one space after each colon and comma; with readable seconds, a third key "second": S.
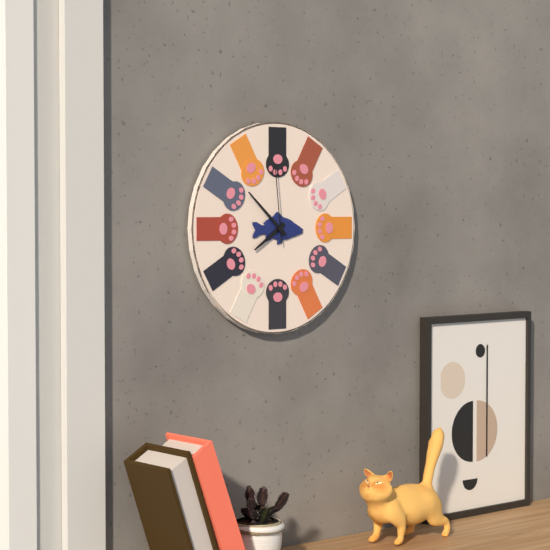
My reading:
{"hour": 7, "minute": 52, "second": 59}
